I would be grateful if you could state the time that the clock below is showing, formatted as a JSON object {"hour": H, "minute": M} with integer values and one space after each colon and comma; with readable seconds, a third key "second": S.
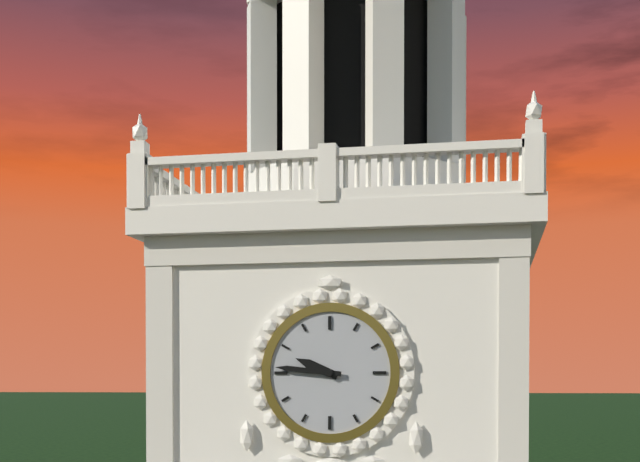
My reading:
{"hour": 9, "minute": 46}
